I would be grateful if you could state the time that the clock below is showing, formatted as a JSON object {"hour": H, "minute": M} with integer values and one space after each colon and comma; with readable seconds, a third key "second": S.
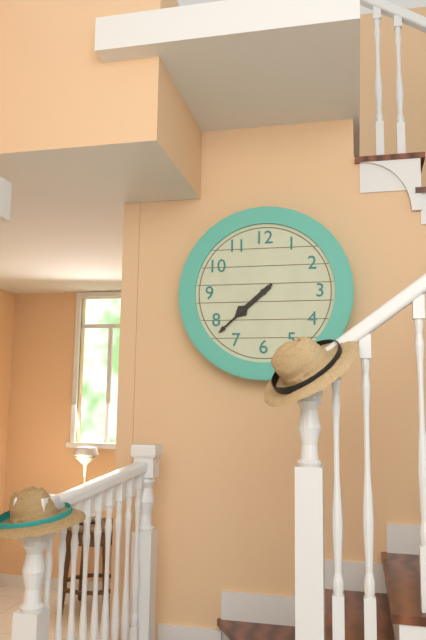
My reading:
{"hour": 7, "minute": 38}
